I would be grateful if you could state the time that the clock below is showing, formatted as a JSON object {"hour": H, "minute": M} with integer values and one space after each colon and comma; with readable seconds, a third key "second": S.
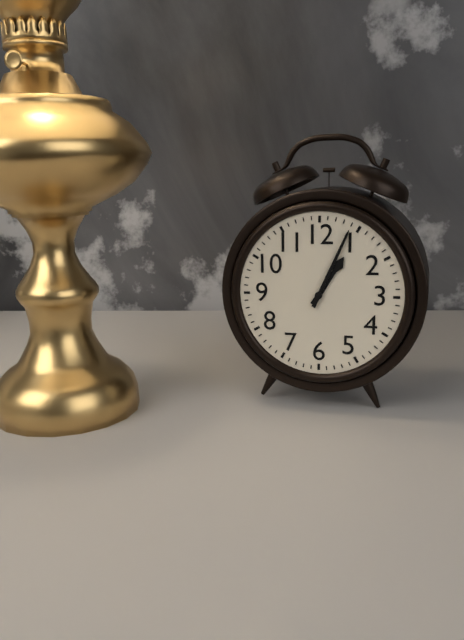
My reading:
{"hour": 1, "minute": 4}
